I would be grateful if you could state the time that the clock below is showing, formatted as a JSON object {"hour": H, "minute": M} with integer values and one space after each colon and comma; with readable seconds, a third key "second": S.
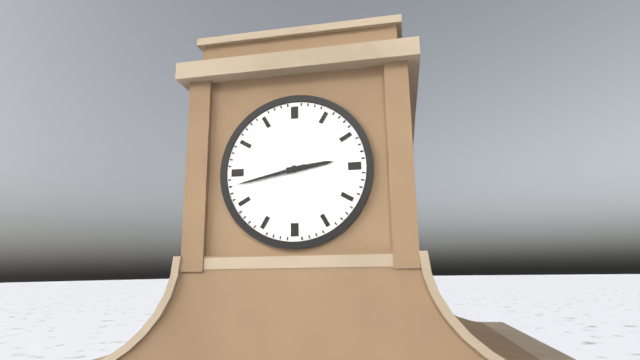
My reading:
{"hour": 2, "minute": 43}
